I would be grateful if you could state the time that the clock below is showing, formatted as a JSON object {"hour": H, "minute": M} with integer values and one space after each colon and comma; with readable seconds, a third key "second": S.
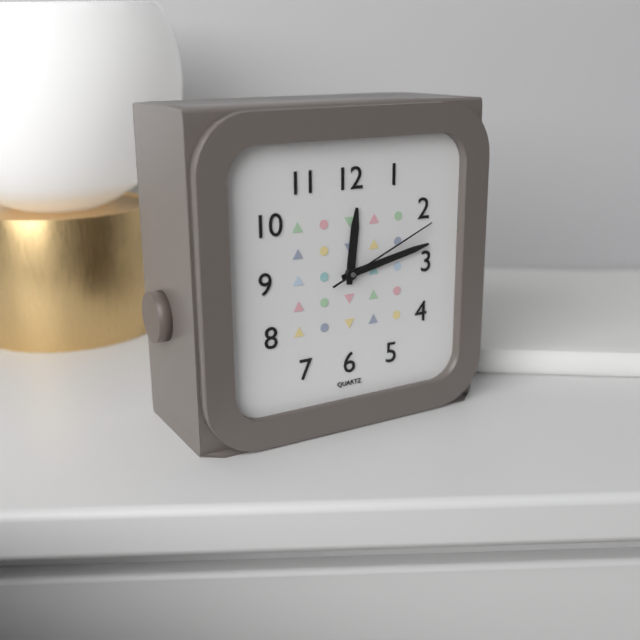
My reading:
{"hour": 12, "minute": 13, "second": 11}
